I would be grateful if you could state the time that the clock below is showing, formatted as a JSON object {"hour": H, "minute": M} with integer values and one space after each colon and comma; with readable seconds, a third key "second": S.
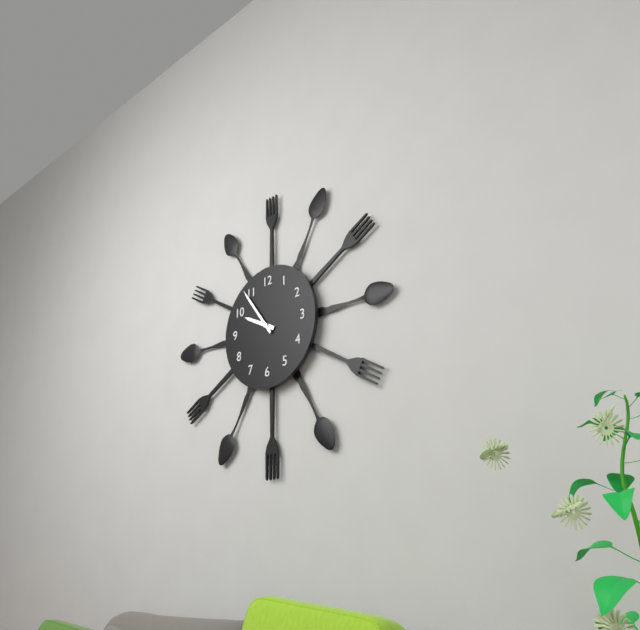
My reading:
{"hour": 9, "minute": 54}
